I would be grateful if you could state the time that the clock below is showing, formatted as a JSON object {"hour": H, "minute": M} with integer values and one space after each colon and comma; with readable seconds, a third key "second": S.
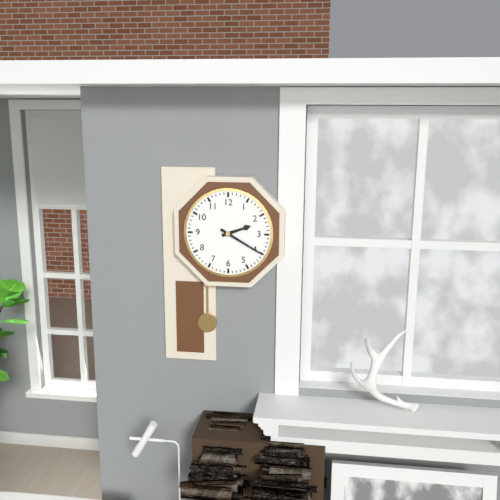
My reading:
{"hour": 2, "minute": 20}
